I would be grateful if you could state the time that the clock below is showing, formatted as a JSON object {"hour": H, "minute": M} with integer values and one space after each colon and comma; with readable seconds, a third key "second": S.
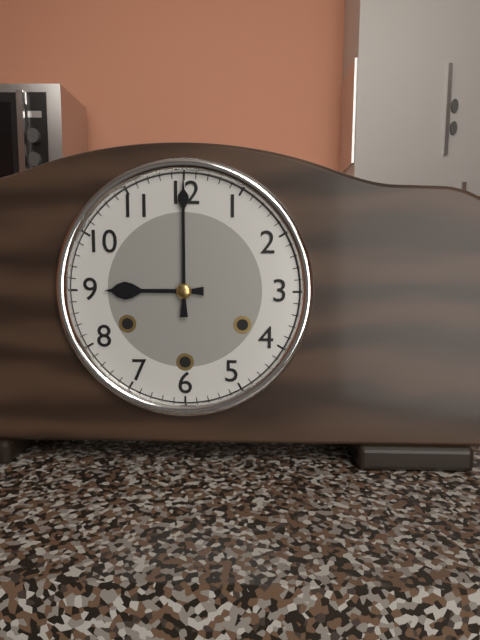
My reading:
{"hour": 9, "minute": 0}
